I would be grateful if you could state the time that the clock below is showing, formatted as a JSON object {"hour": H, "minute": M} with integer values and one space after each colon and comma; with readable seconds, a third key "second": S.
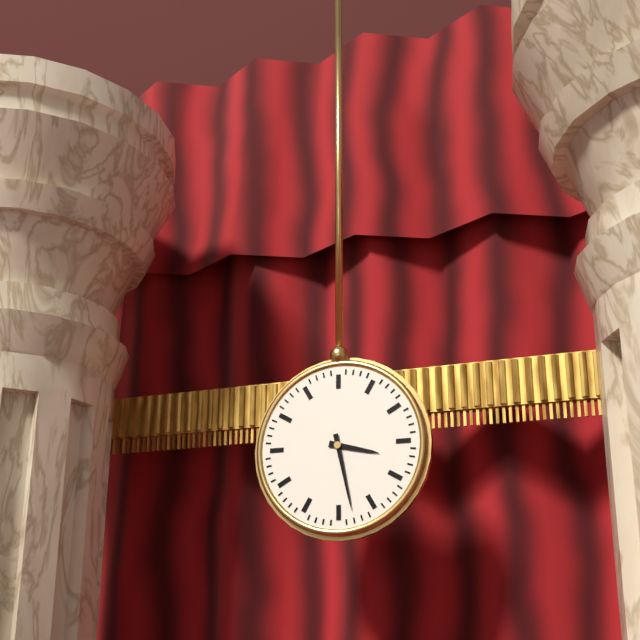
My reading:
{"hour": 3, "minute": 28}
